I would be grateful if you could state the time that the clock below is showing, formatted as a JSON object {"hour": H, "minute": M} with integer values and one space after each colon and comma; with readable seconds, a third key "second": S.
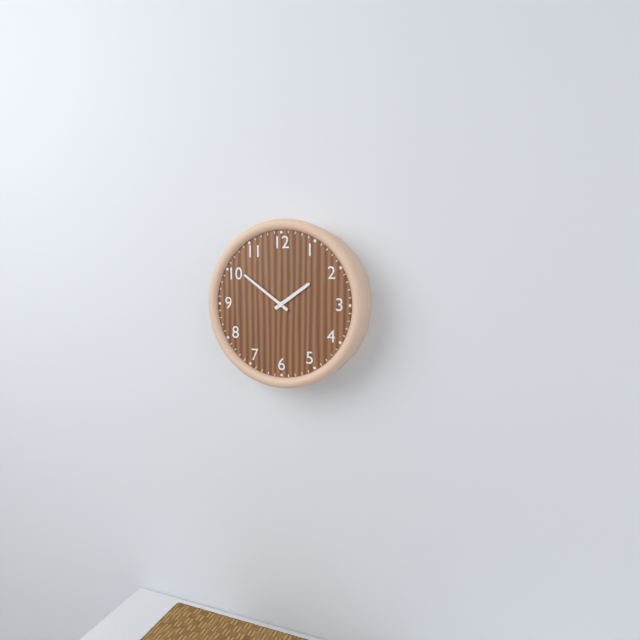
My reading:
{"hour": 1, "minute": 51}
